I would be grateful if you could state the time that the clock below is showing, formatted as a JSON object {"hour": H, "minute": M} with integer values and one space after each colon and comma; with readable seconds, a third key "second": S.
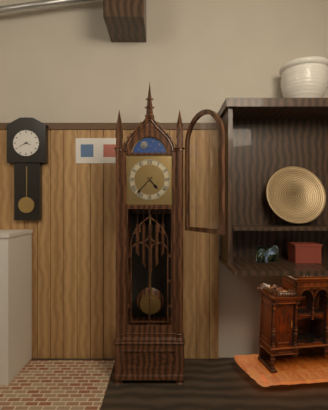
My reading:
{"hour": 4, "minute": 37}
